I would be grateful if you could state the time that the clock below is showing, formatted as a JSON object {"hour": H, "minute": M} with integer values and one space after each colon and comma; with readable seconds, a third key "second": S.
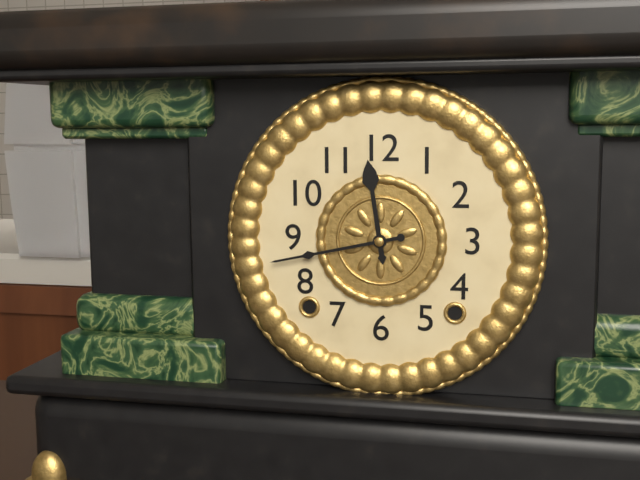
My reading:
{"hour": 11, "minute": 43}
